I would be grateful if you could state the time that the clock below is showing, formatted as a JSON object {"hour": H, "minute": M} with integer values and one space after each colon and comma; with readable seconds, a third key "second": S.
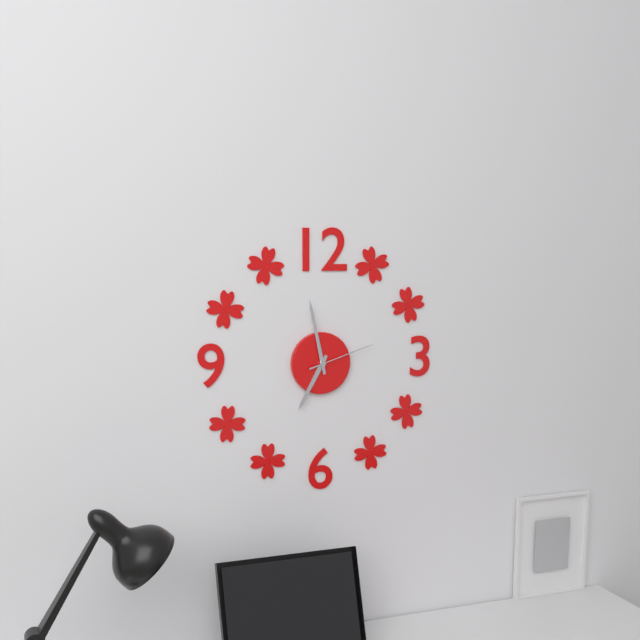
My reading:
{"hour": 6, "minute": 58, "second": 12}
